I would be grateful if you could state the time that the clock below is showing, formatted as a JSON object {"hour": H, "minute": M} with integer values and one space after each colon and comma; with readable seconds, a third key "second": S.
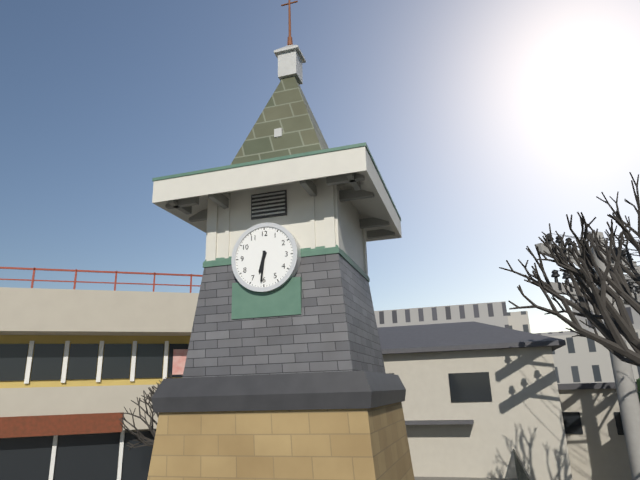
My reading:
{"hour": 6, "minute": 31}
